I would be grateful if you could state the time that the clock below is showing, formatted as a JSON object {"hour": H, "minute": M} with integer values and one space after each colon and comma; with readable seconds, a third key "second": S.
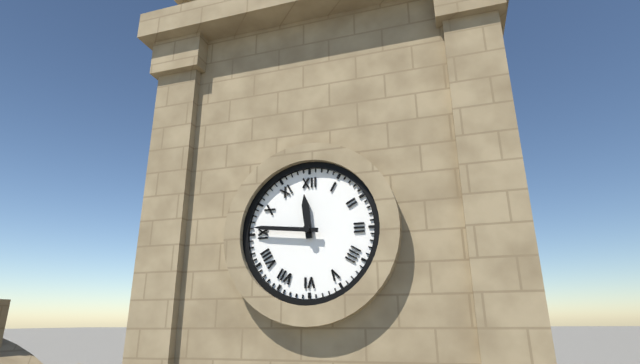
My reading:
{"hour": 11, "minute": 46}
